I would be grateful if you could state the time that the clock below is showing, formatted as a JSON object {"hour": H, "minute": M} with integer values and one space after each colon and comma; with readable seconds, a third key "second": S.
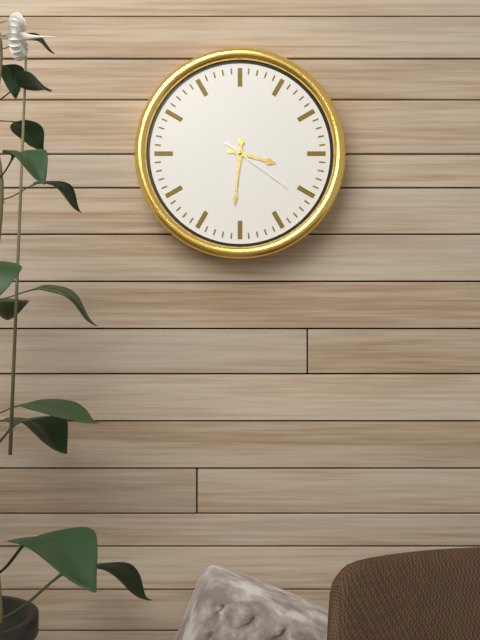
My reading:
{"hour": 3, "minute": 31, "second": 21}
